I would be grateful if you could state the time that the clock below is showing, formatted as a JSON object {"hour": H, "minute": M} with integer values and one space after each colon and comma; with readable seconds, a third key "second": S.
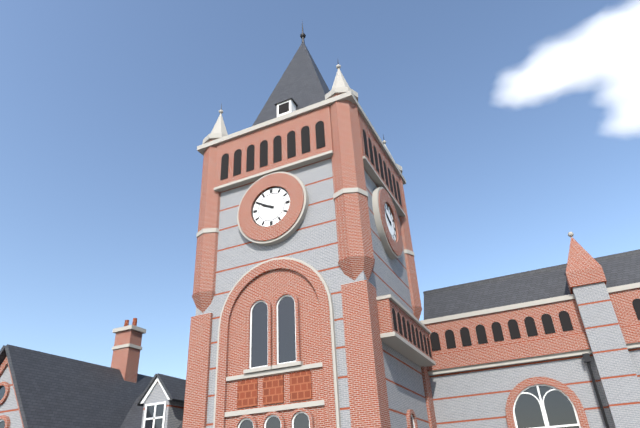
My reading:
{"hour": 9, "minute": 50}
